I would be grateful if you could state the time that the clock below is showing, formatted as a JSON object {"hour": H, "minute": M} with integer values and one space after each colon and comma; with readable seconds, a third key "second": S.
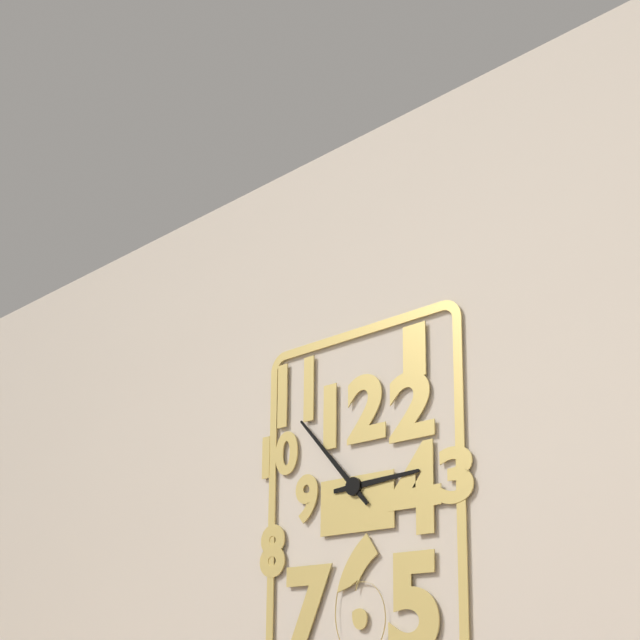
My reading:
{"hour": 2, "minute": 53}
